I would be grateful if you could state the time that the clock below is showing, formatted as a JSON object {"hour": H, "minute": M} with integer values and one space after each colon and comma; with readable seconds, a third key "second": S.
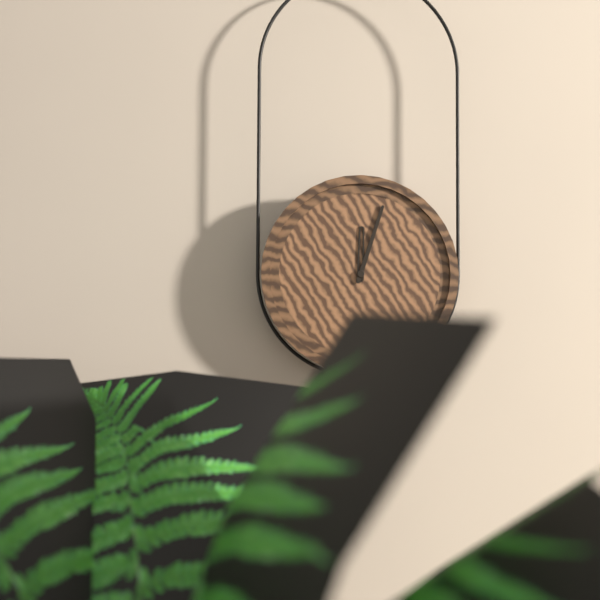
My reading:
{"hour": 12, "minute": 3}
